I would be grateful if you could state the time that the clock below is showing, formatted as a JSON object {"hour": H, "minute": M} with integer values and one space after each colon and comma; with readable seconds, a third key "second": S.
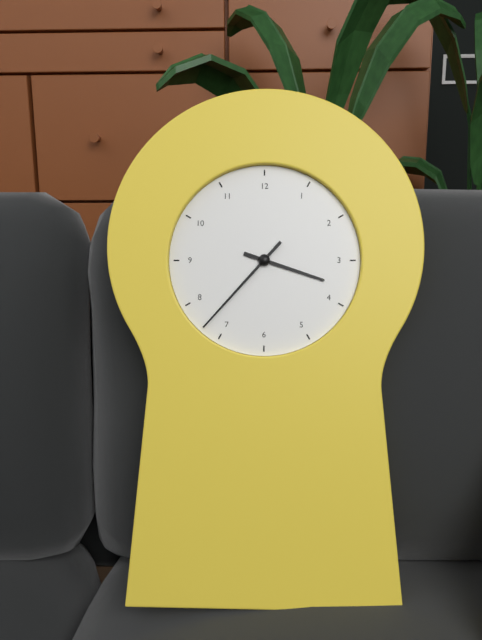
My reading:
{"hour": 3, "minute": 37}
